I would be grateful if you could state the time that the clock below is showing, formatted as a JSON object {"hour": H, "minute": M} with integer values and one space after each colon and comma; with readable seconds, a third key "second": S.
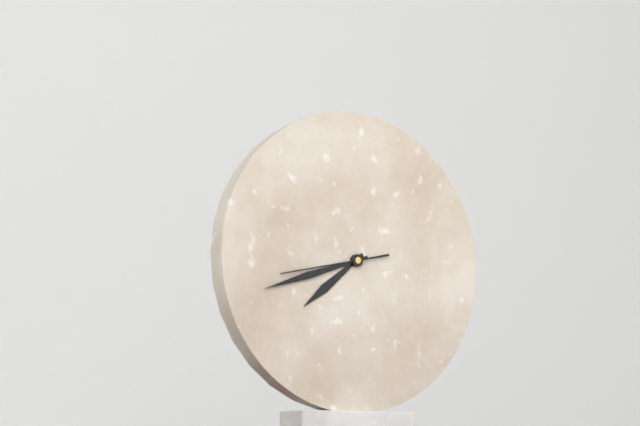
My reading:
{"hour": 7, "minute": 42, "second": 43}
